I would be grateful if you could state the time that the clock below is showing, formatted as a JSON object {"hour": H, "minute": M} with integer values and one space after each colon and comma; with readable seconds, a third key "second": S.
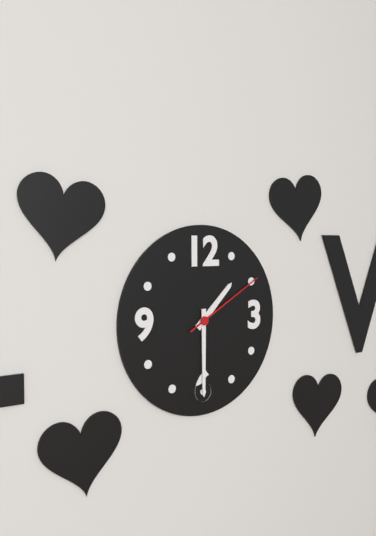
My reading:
{"hour": 1, "minute": 30, "second": 10}
